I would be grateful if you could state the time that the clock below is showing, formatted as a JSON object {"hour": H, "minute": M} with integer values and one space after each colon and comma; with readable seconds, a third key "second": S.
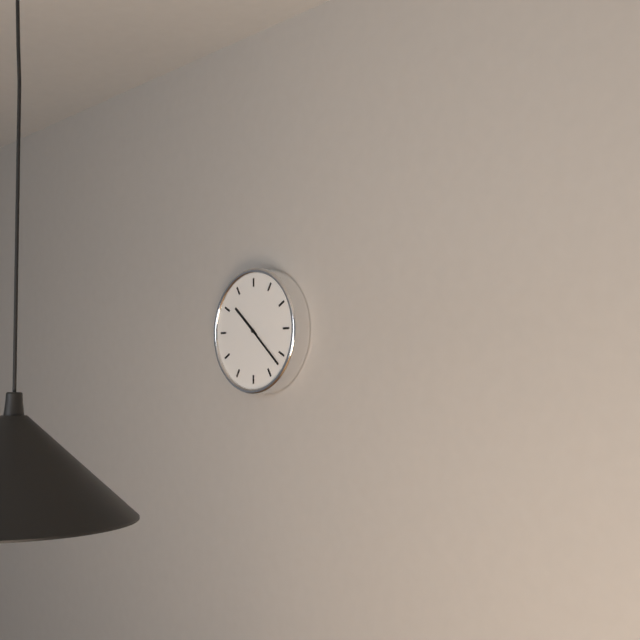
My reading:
{"hour": 10, "minute": 22}
